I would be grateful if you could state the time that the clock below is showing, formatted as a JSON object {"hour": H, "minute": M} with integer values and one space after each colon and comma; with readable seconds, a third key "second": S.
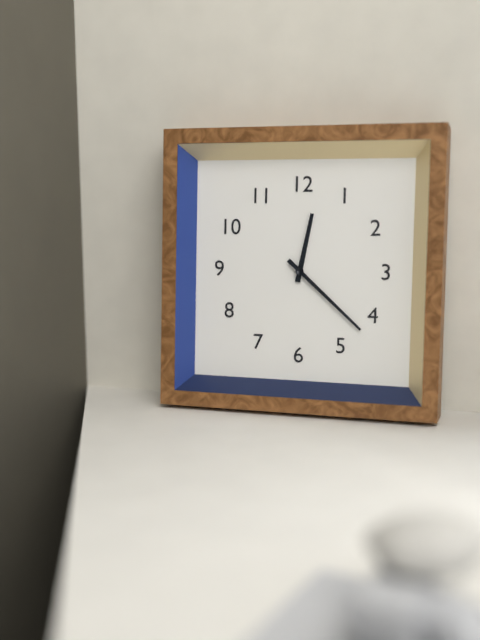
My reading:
{"hour": 12, "minute": 22}
